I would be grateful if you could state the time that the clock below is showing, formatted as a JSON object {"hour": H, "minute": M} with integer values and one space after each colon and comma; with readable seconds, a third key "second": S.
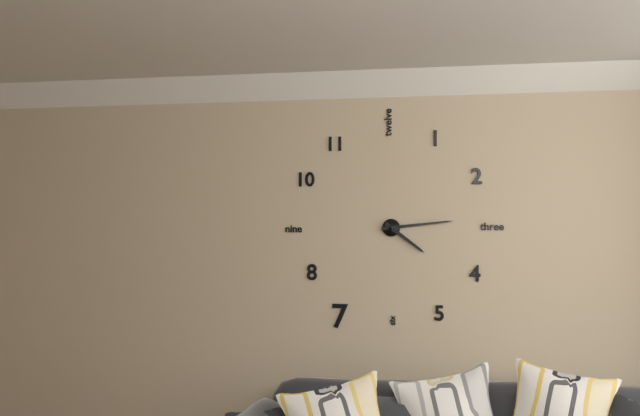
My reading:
{"hour": 4, "minute": 14}
